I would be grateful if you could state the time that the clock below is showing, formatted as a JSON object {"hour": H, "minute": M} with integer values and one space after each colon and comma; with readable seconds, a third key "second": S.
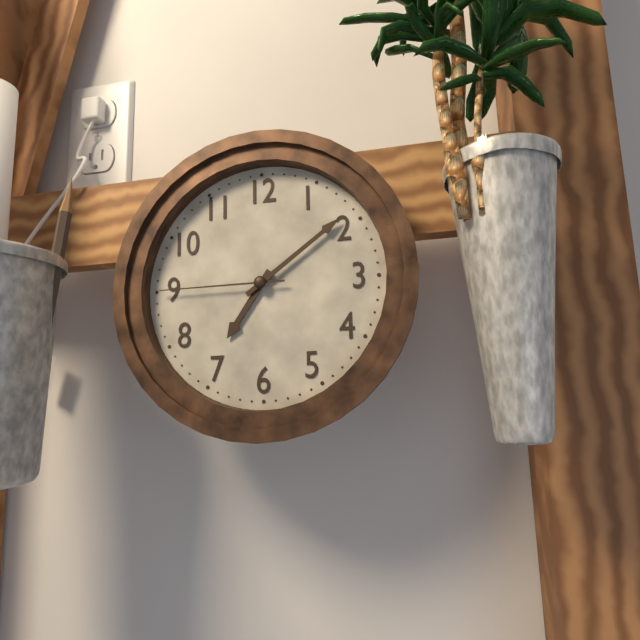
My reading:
{"hour": 7, "minute": 9, "second": 45}
